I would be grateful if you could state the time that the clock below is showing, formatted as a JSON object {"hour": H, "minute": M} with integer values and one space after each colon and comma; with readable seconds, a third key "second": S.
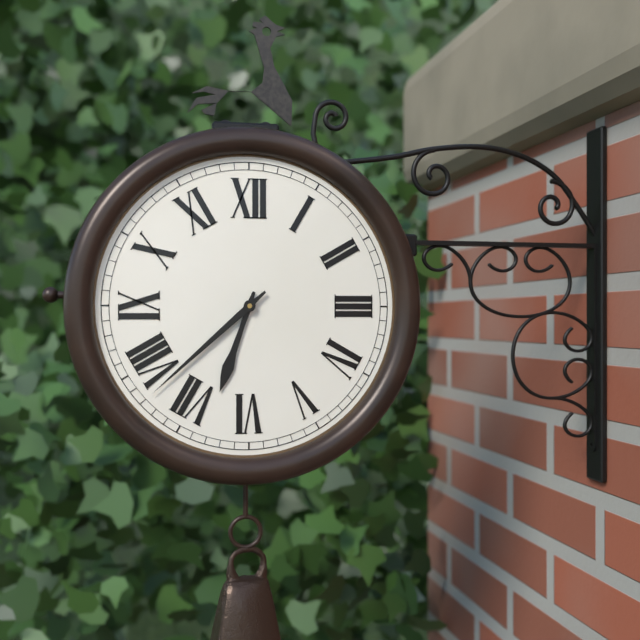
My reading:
{"hour": 6, "minute": 38}
